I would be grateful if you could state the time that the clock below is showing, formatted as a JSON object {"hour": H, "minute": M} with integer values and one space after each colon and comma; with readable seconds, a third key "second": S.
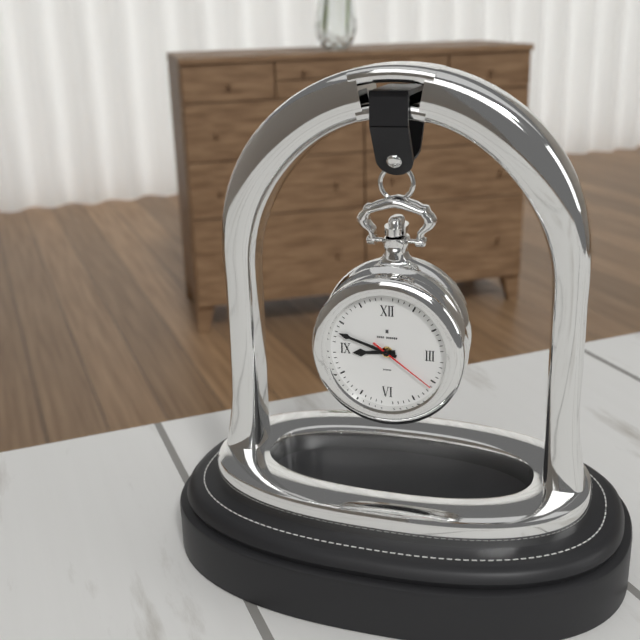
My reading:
{"hour": 8, "minute": 48, "second": 21}
